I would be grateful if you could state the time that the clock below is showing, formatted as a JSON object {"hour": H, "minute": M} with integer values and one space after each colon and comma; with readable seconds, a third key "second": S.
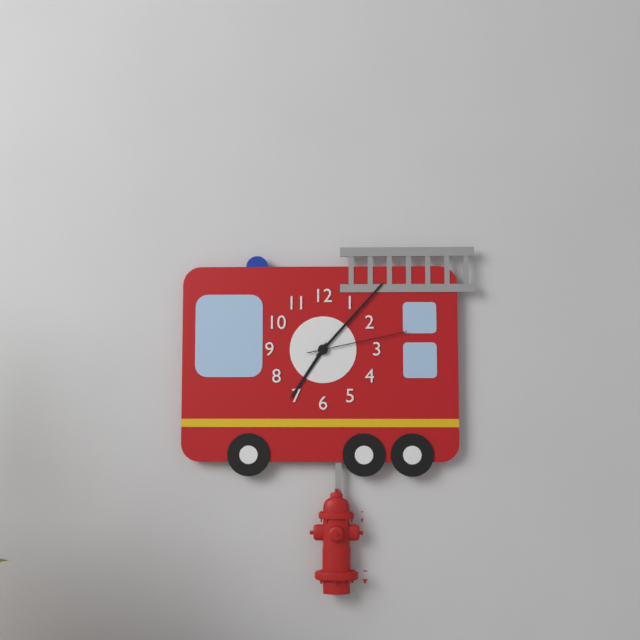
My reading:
{"hour": 7, "minute": 7, "second": 13}
